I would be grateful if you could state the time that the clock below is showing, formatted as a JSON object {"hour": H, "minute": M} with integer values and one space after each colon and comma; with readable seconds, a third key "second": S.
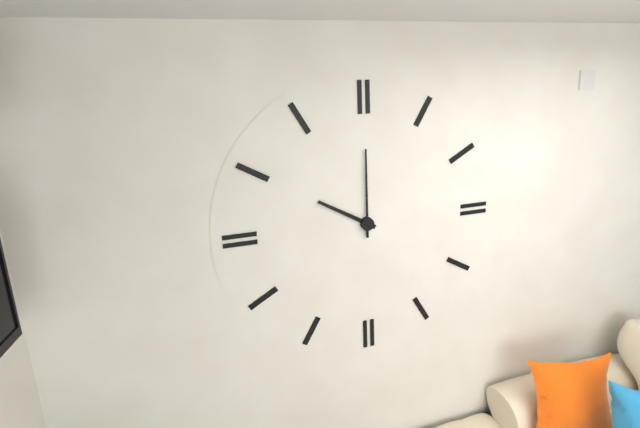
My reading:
{"hour": 10, "minute": 0}
